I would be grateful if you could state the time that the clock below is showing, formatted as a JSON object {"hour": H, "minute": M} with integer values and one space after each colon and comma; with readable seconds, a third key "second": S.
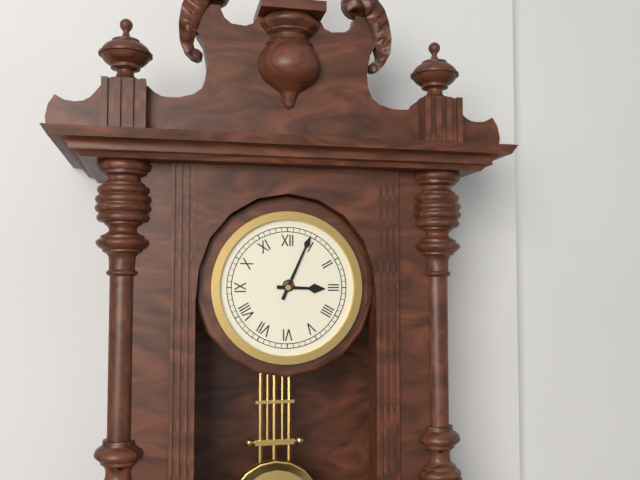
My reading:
{"hour": 3, "minute": 4}
